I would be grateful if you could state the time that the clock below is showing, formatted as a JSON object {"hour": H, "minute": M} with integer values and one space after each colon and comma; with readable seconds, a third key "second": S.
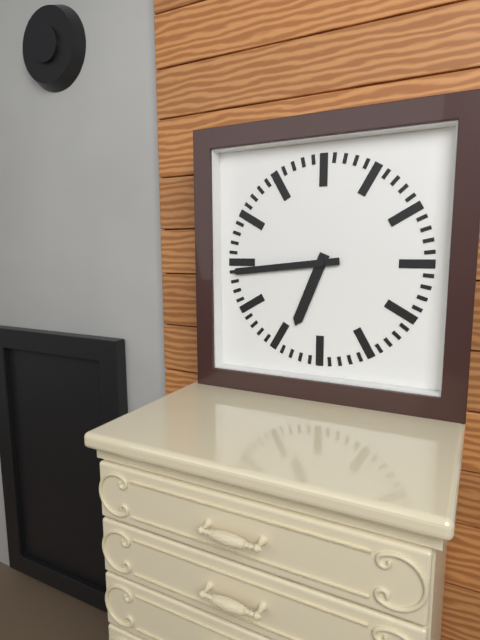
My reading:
{"hour": 6, "minute": 44}
